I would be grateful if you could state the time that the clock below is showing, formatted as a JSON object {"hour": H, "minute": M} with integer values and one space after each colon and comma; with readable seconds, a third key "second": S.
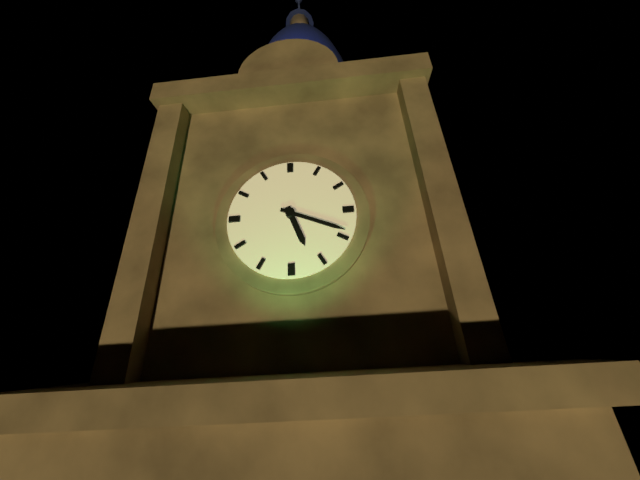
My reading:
{"hour": 5, "minute": 19}
